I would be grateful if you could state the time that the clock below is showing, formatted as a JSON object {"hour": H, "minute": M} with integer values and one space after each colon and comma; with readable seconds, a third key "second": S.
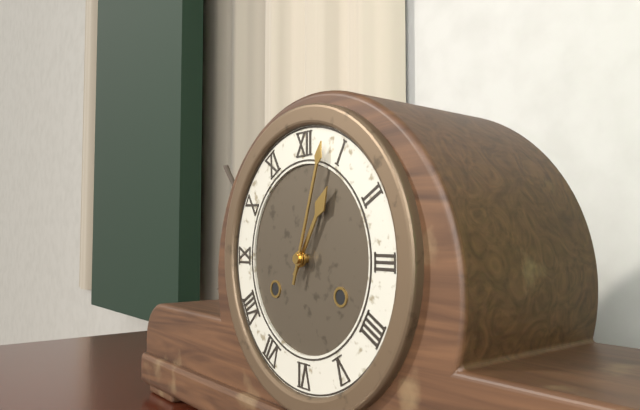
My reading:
{"hour": 1, "minute": 3}
